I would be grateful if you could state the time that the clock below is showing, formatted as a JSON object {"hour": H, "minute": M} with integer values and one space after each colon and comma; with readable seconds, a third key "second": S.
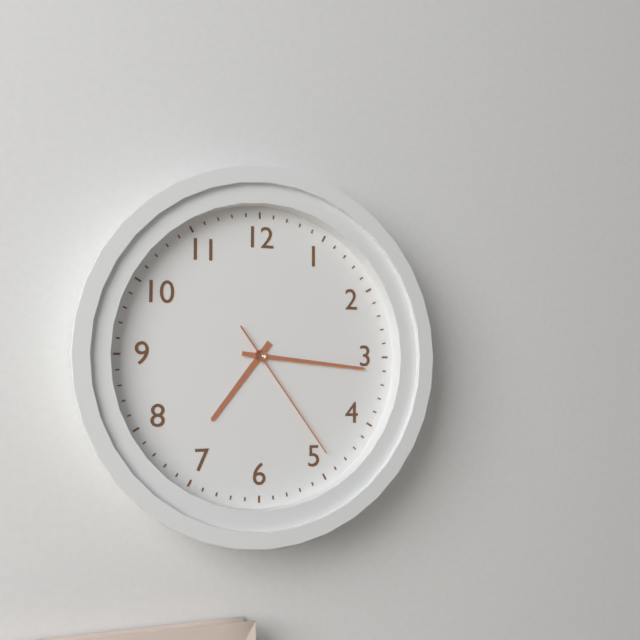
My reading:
{"hour": 7, "minute": 16, "second": 24}
